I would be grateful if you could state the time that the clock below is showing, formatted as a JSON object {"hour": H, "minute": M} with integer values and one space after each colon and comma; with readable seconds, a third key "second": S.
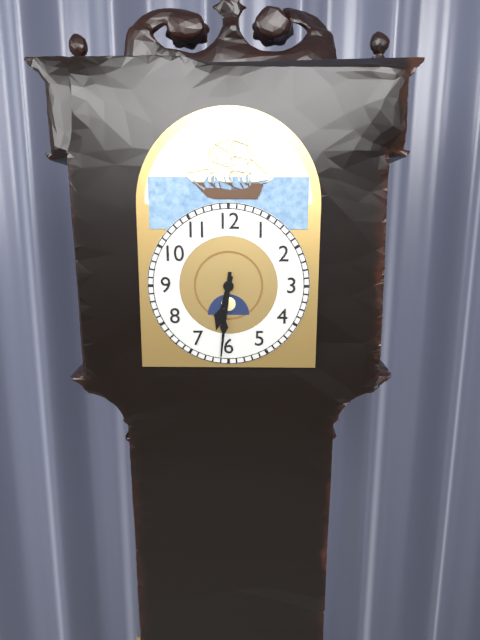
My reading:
{"hour": 6, "minute": 31}
